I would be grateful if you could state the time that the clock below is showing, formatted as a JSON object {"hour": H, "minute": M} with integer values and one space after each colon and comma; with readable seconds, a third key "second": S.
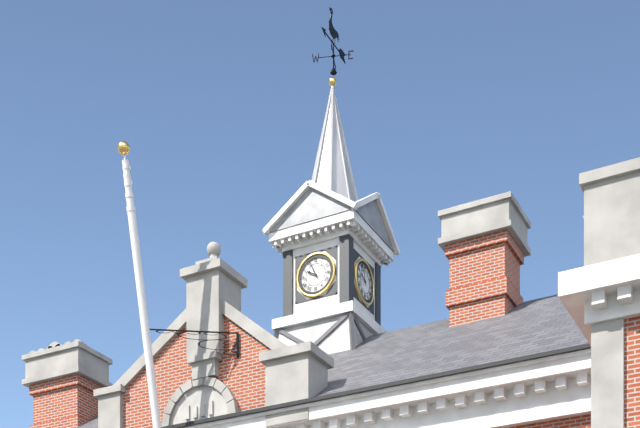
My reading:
{"hour": 9, "minute": 56}
